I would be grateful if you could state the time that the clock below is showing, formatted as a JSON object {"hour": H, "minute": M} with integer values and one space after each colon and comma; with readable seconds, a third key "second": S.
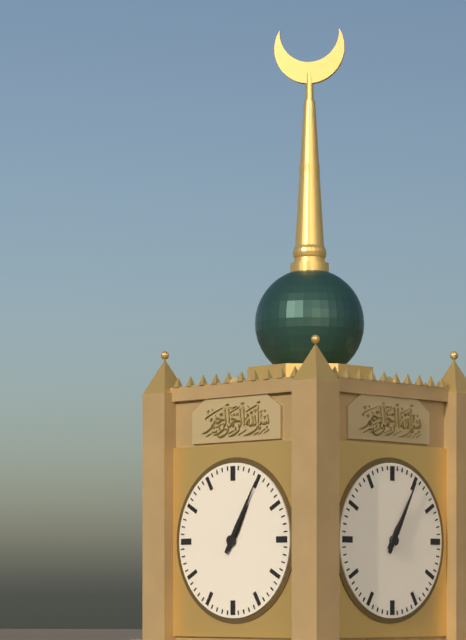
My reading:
{"hour": 1, "minute": 5}
